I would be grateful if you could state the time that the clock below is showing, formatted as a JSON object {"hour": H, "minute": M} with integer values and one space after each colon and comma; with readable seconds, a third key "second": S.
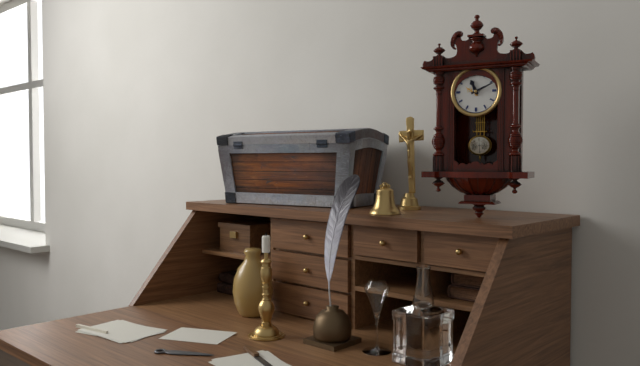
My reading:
{"hour": 11, "minute": 11}
